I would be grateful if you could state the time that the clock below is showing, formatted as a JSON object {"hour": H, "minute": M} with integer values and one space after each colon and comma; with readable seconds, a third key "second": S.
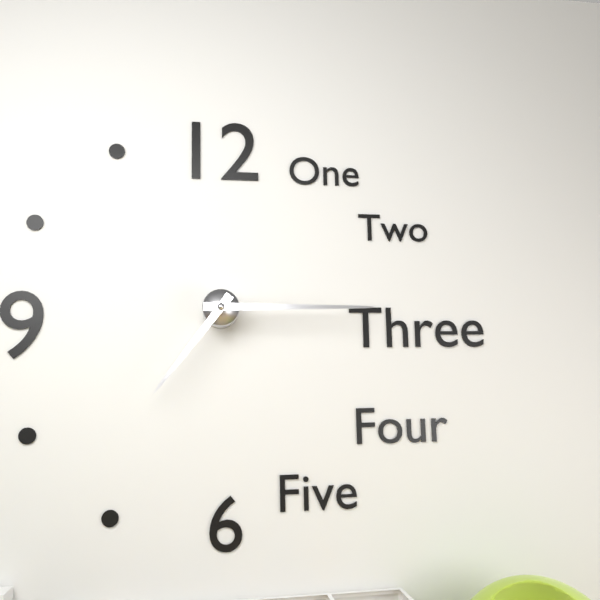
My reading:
{"hour": 7, "minute": 15}
